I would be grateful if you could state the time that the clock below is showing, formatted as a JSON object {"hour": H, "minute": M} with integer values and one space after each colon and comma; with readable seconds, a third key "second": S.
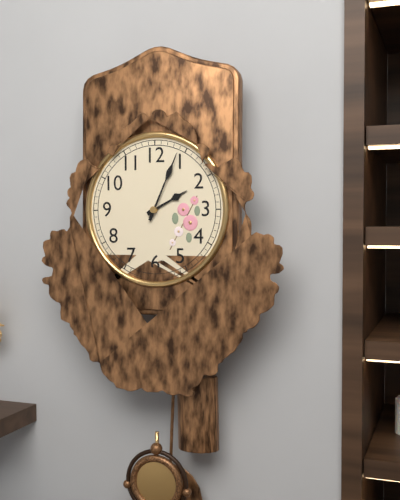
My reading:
{"hour": 2, "minute": 4}
